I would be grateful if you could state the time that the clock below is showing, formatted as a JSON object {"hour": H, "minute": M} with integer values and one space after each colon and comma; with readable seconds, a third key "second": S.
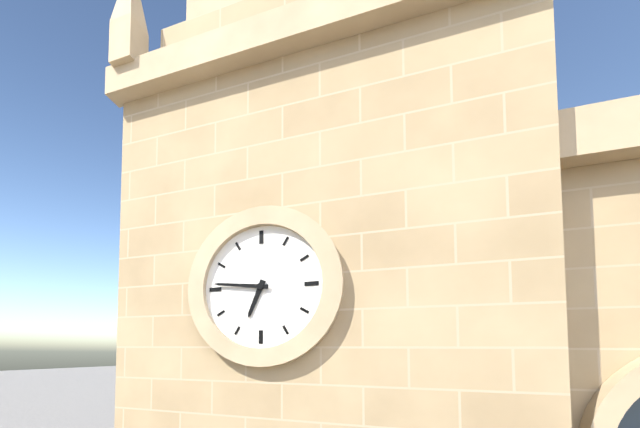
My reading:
{"hour": 6, "minute": 46}
